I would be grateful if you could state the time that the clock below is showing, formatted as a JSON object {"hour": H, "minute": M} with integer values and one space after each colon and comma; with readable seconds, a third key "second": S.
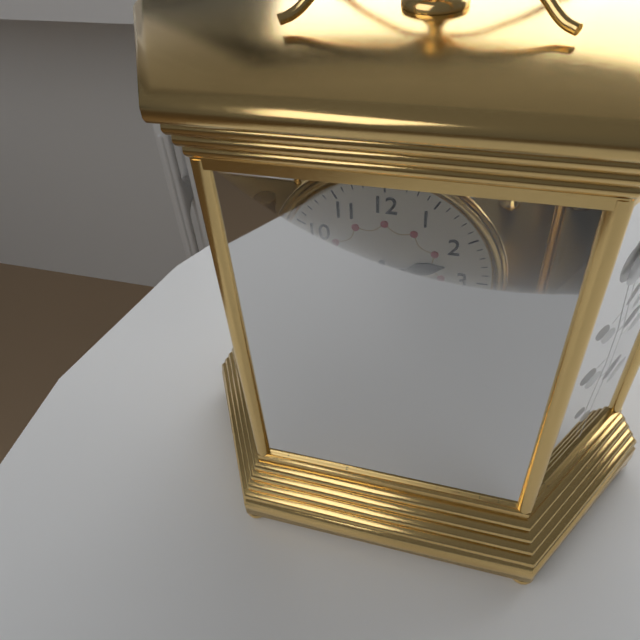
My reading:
{"hour": 2, "minute": 29}
